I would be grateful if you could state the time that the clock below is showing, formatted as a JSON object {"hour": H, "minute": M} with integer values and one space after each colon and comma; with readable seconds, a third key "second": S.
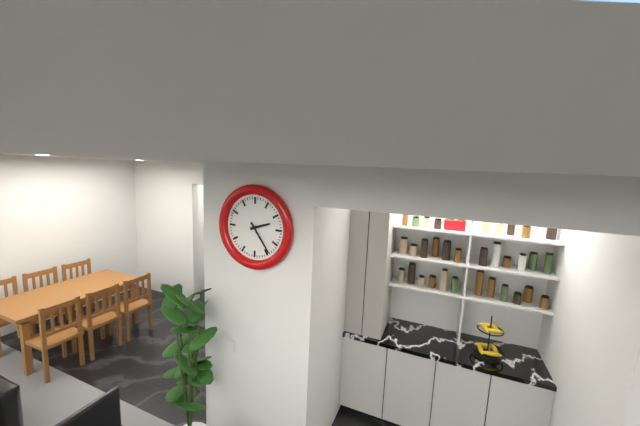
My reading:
{"hour": 2, "minute": 24}
